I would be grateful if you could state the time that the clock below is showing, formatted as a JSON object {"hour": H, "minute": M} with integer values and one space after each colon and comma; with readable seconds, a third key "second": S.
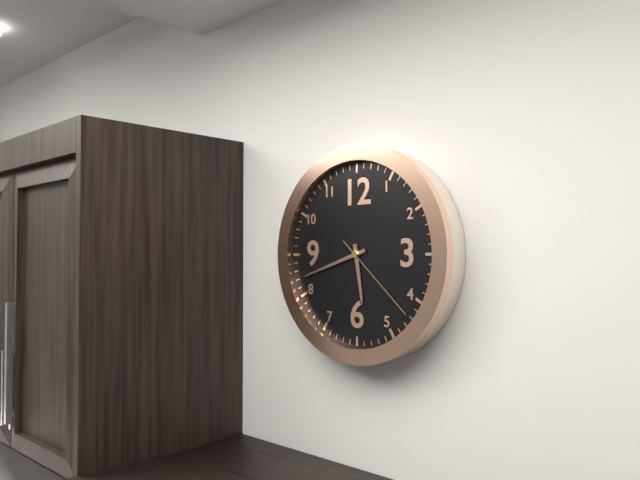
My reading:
{"hour": 5, "minute": 42, "second": 22}
